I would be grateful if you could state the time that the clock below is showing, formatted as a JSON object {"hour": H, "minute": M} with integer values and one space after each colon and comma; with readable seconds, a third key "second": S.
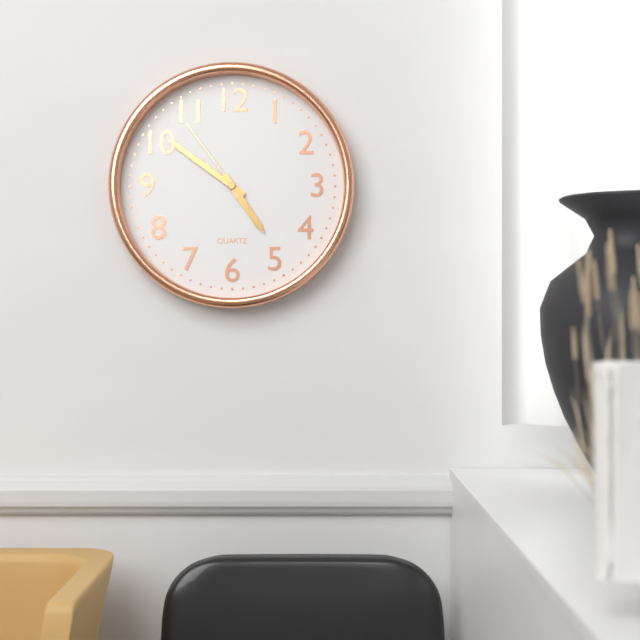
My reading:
{"hour": 4, "minute": 51, "second": 54}
